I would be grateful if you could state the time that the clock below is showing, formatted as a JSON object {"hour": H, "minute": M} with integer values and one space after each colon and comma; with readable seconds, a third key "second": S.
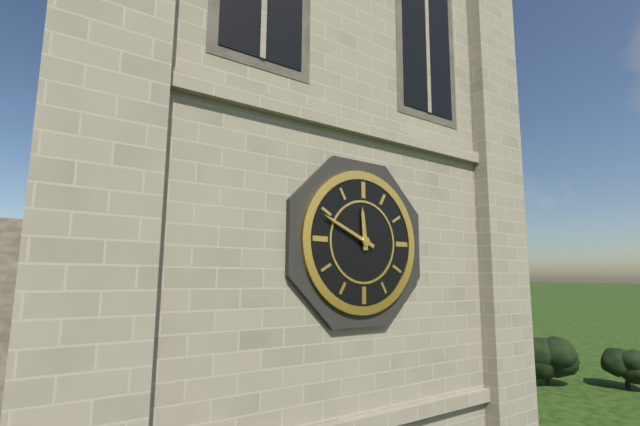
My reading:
{"hour": 11, "minute": 49}
